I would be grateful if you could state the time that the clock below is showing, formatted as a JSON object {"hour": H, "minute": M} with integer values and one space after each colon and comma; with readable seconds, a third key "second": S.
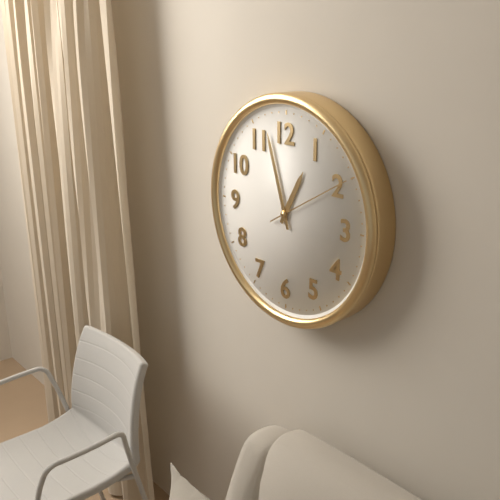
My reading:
{"hour": 12, "minute": 57, "second": 10}
